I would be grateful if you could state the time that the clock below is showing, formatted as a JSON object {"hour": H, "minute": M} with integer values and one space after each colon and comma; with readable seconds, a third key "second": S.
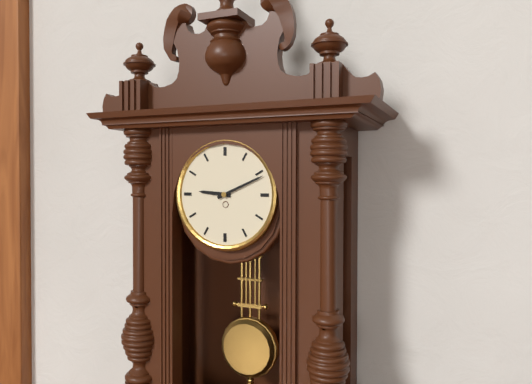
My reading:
{"hour": 9, "minute": 11}
